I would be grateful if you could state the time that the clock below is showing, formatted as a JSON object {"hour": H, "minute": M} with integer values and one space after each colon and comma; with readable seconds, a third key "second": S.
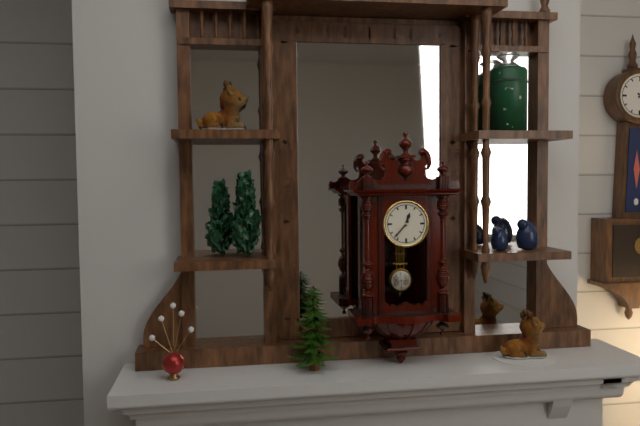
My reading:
{"hour": 12, "minute": 37}
